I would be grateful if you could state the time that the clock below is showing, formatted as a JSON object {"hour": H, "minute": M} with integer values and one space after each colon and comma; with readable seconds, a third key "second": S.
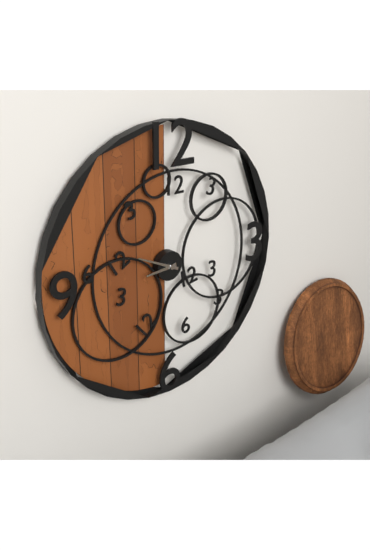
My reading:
{"hour": 8, "minute": 49}
